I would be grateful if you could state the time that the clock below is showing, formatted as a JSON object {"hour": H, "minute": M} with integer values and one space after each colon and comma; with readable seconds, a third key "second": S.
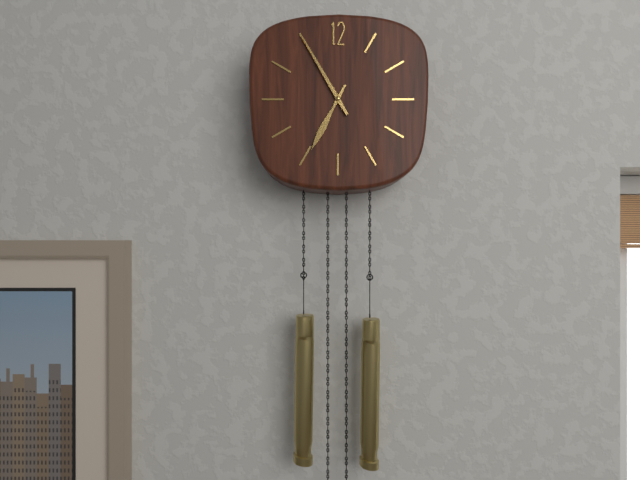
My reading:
{"hour": 6, "minute": 55}
